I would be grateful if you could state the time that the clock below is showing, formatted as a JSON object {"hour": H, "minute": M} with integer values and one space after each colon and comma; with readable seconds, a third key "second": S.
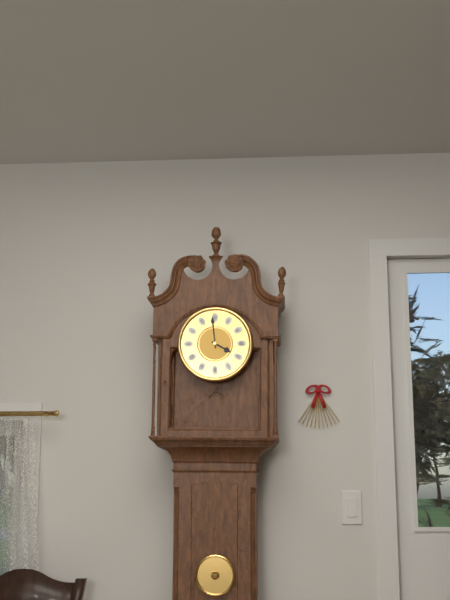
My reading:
{"hour": 3, "minute": 59}
